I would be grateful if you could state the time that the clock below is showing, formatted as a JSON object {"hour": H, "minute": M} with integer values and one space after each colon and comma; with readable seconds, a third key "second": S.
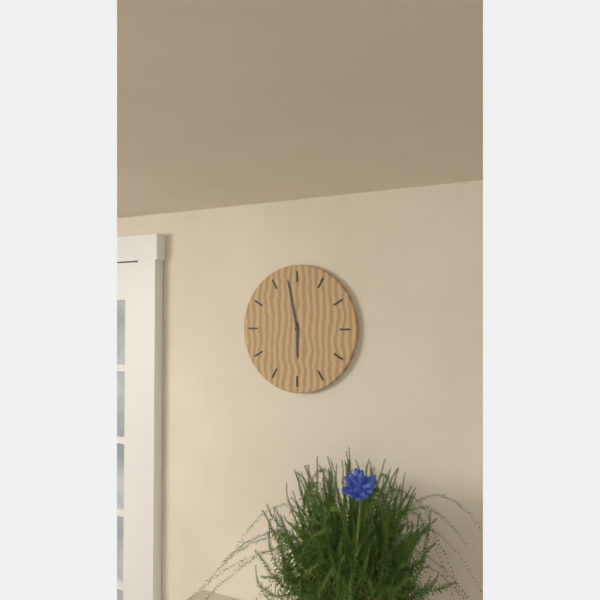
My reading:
{"hour": 5, "minute": 58}
